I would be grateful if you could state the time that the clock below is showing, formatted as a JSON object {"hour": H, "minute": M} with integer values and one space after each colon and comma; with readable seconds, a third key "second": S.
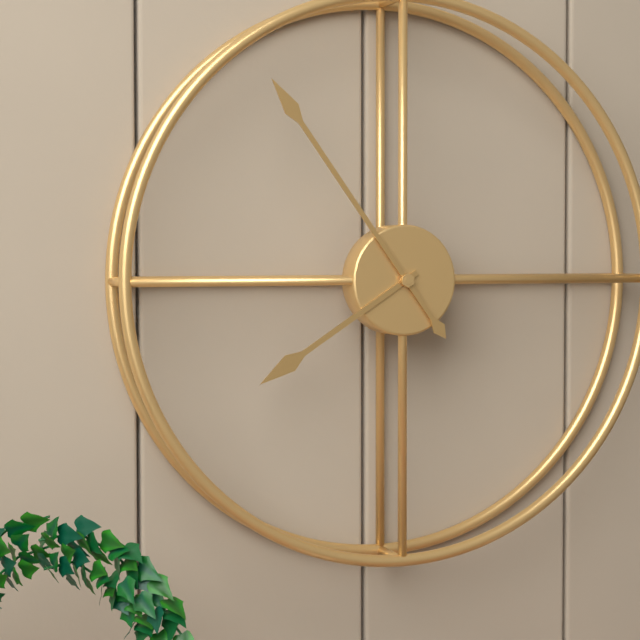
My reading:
{"hour": 7, "minute": 54}
